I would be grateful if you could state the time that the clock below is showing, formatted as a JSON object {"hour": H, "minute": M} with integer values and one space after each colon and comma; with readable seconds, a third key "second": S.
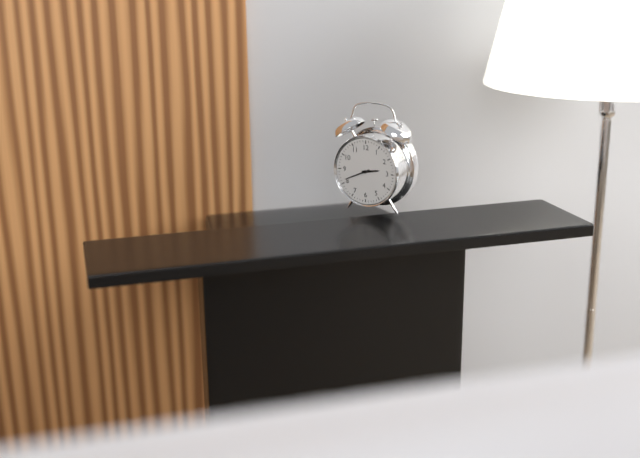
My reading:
{"hour": 2, "minute": 41}
